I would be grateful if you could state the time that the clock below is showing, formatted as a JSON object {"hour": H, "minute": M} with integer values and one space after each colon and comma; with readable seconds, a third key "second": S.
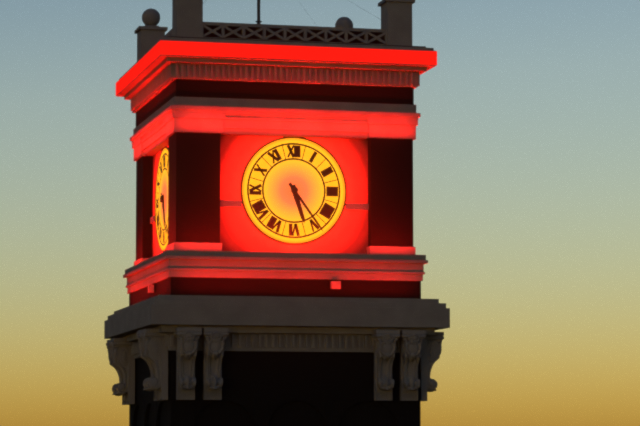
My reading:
{"hour": 5, "minute": 24}
